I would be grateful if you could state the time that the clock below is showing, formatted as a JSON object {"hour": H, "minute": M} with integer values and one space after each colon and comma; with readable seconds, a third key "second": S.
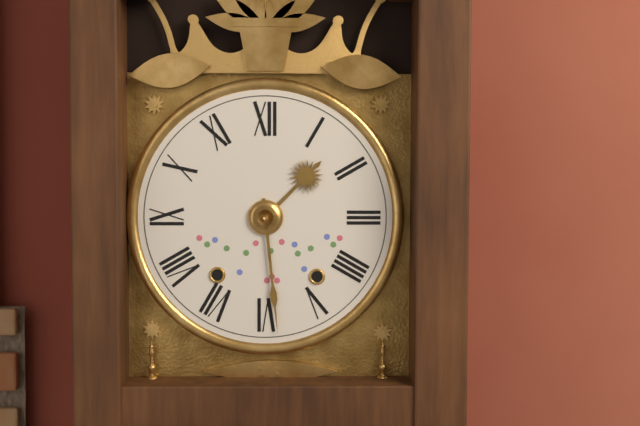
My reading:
{"hour": 1, "minute": 29}
